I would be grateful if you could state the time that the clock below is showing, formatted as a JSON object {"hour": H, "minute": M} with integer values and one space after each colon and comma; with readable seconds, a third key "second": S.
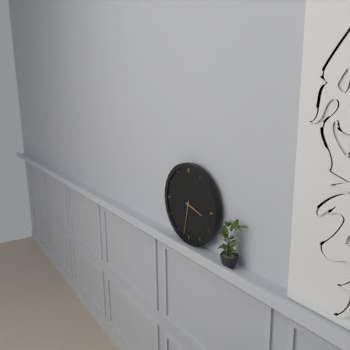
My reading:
{"hour": 3, "minute": 32}
